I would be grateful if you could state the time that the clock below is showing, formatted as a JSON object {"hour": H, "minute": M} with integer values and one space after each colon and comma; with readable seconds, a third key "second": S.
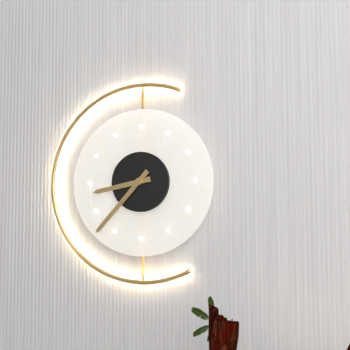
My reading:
{"hour": 8, "minute": 37}
